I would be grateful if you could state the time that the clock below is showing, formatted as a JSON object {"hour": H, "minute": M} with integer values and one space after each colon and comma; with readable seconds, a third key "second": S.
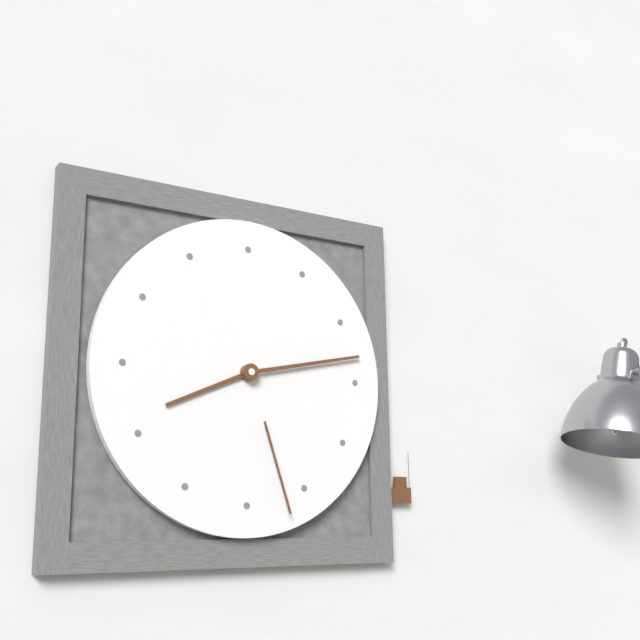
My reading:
{"hour": 8, "minute": 13, "second": 27}
